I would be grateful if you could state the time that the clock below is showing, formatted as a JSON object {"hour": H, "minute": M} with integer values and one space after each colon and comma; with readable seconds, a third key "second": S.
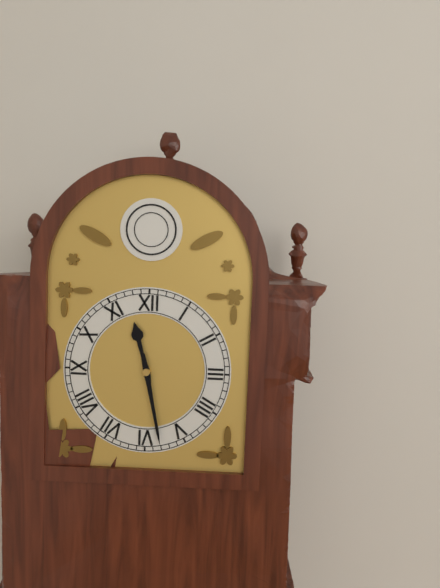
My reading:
{"hour": 11, "minute": 28}
